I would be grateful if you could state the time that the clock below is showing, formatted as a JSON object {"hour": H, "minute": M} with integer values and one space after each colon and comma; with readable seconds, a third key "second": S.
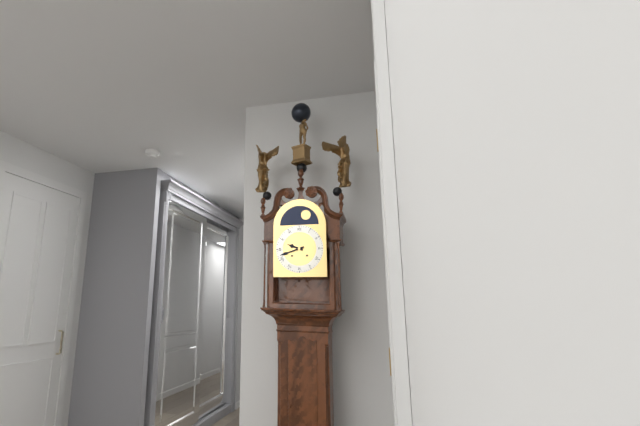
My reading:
{"hour": 9, "minute": 42}
